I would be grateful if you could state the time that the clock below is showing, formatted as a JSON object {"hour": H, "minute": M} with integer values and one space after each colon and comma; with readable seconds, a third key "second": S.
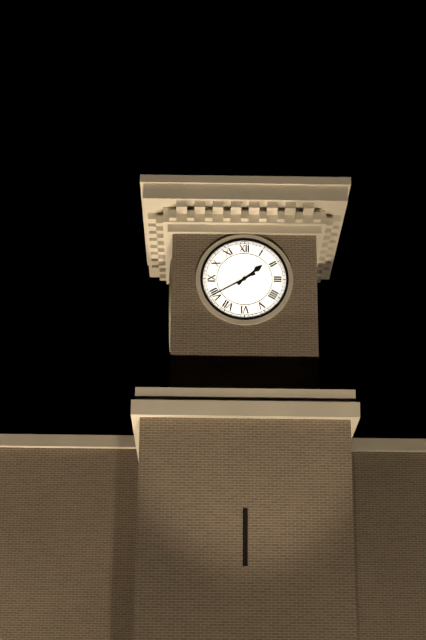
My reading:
{"hour": 1, "minute": 40}
